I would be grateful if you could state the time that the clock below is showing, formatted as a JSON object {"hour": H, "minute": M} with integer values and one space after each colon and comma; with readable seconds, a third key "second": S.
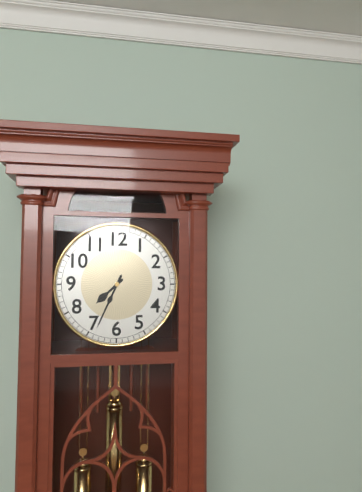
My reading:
{"hour": 7, "minute": 34}
